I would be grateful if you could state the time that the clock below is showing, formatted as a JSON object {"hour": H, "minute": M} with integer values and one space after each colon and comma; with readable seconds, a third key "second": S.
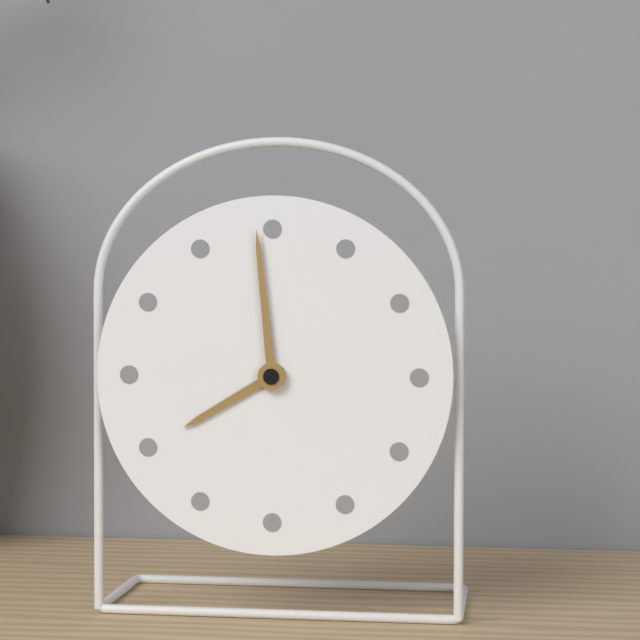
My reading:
{"hour": 7, "minute": 59}
